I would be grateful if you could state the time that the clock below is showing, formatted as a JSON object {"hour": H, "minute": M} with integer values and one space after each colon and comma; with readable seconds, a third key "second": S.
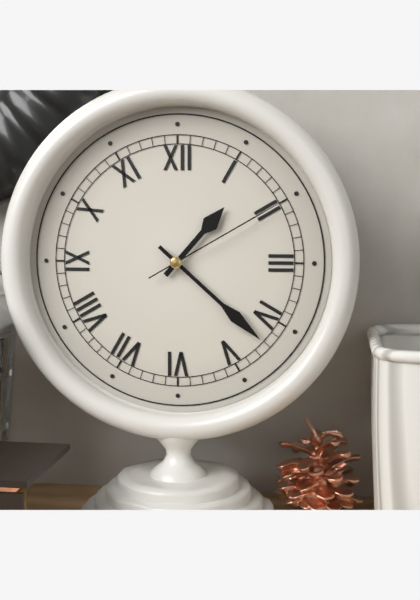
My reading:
{"hour": 1, "minute": 22, "second": 10}
